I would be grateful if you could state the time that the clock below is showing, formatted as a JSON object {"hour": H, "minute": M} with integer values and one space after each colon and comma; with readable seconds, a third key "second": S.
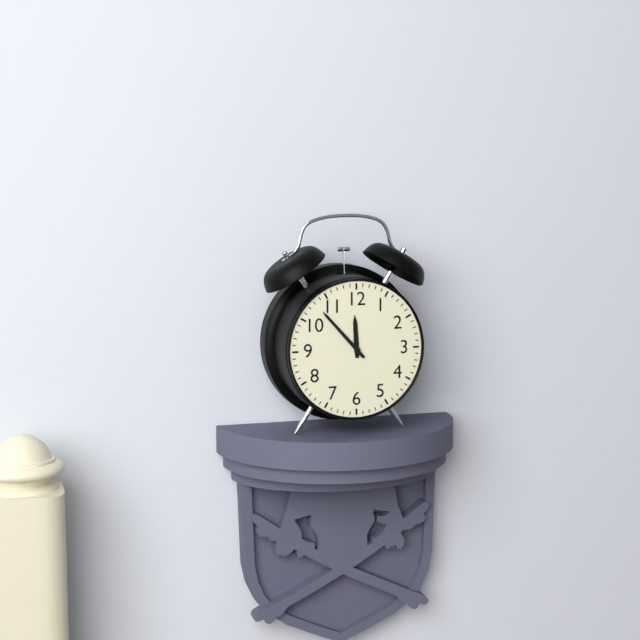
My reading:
{"hour": 11, "minute": 53}
